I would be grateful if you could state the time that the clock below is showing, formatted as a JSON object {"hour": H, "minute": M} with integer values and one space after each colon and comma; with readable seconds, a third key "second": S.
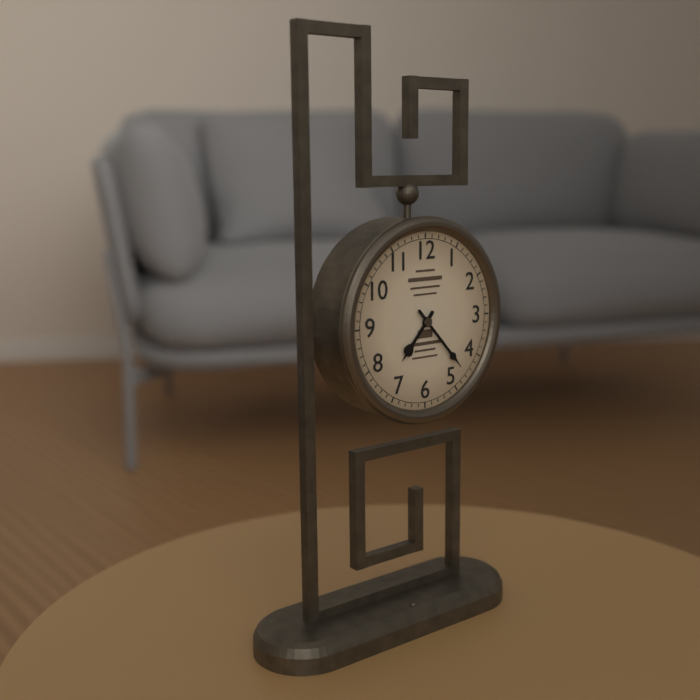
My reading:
{"hour": 7, "minute": 23}
